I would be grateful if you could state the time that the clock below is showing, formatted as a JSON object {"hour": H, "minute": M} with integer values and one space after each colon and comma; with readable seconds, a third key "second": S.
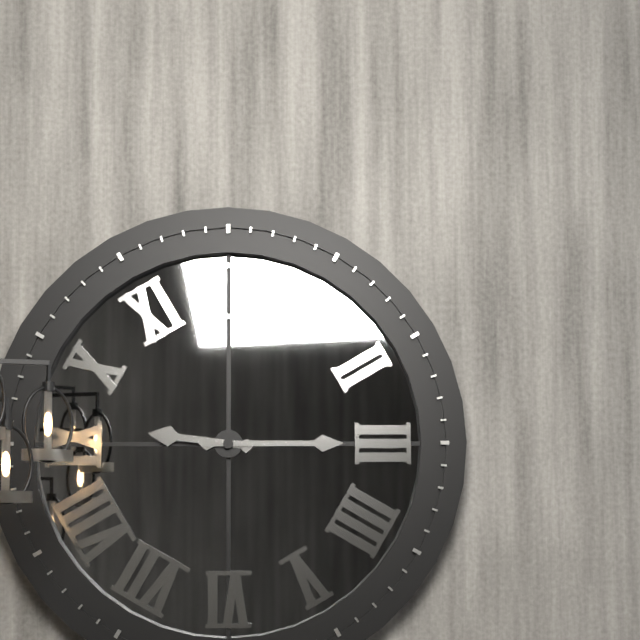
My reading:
{"hour": 9, "minute": 15}
